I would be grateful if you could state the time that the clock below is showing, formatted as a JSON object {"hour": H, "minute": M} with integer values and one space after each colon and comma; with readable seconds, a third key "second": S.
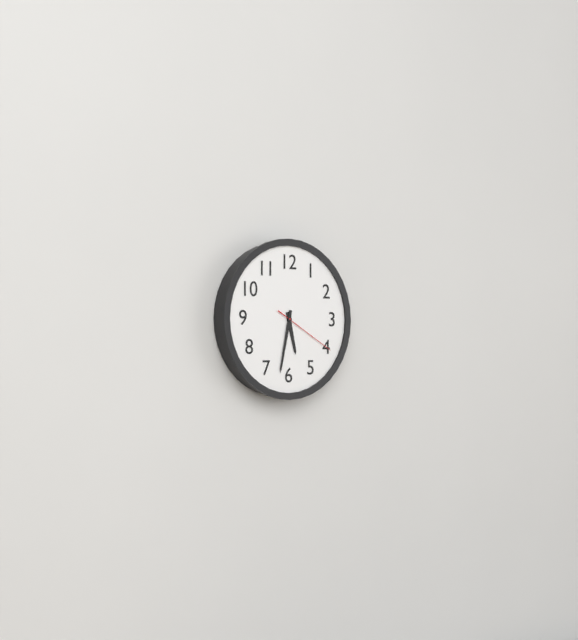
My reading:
{"hour": 5, "minute": 32, "second": 20}
